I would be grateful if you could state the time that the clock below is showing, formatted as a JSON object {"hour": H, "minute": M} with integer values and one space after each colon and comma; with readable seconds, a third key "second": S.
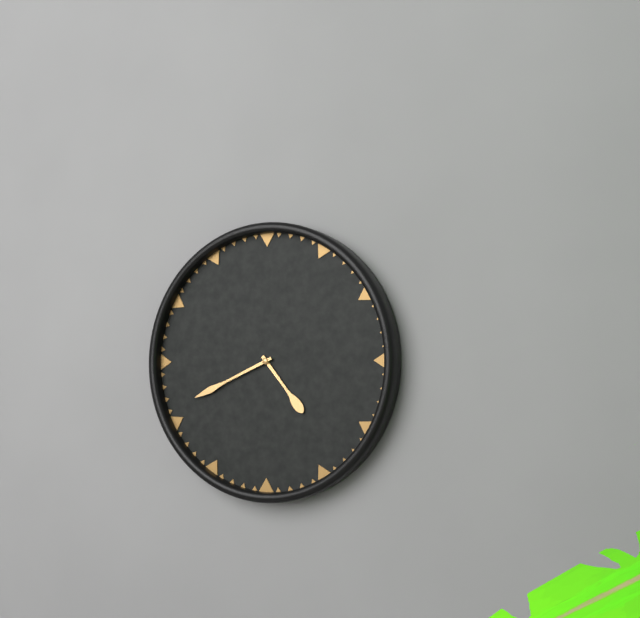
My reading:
{"hour": 4, "minute": 41}
